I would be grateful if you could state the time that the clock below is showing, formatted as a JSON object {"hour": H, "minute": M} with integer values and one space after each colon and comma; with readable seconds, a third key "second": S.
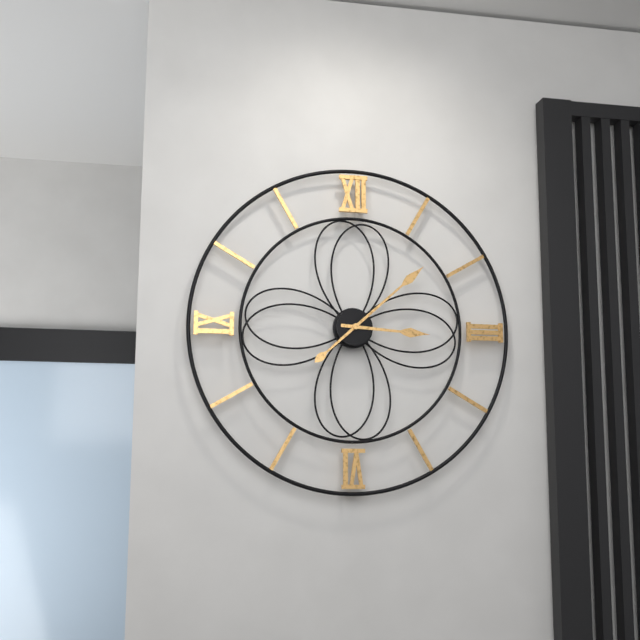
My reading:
{"hour": 3, "minute": 8}
